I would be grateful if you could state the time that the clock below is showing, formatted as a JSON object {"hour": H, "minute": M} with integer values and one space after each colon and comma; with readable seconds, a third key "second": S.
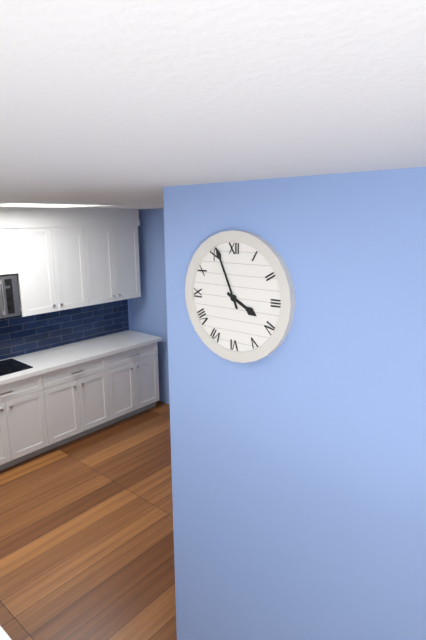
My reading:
{"hour": 3, "minute": 56}
